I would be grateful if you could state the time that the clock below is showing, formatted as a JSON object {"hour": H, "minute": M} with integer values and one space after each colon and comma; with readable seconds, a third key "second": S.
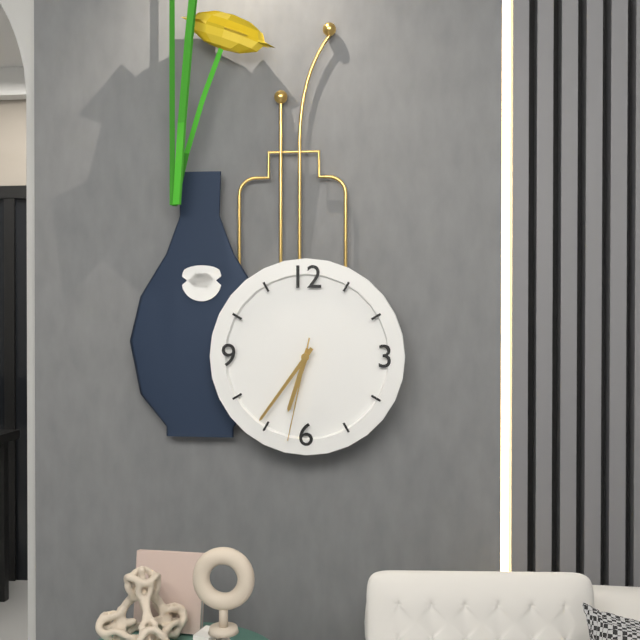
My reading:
{"hour": 6, "minute": 36, "second": 32}
